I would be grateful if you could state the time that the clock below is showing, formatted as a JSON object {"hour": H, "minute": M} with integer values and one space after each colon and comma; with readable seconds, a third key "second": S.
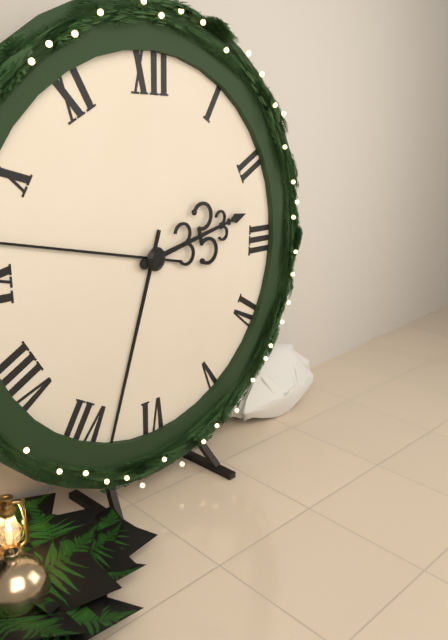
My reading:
{"hour": 2, "minute": 33}
